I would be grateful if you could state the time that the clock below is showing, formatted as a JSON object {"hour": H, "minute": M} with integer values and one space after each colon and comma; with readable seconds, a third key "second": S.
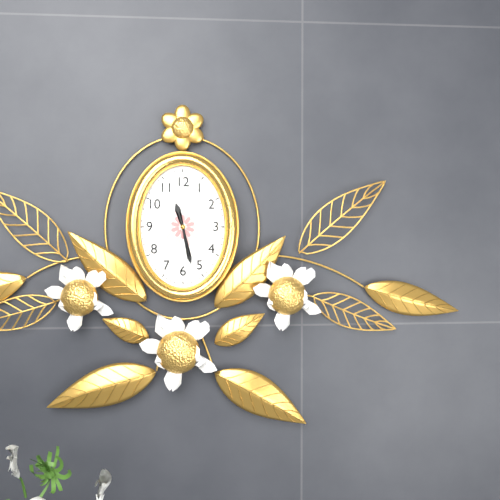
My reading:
{"hour": 11, "minute": 28}
